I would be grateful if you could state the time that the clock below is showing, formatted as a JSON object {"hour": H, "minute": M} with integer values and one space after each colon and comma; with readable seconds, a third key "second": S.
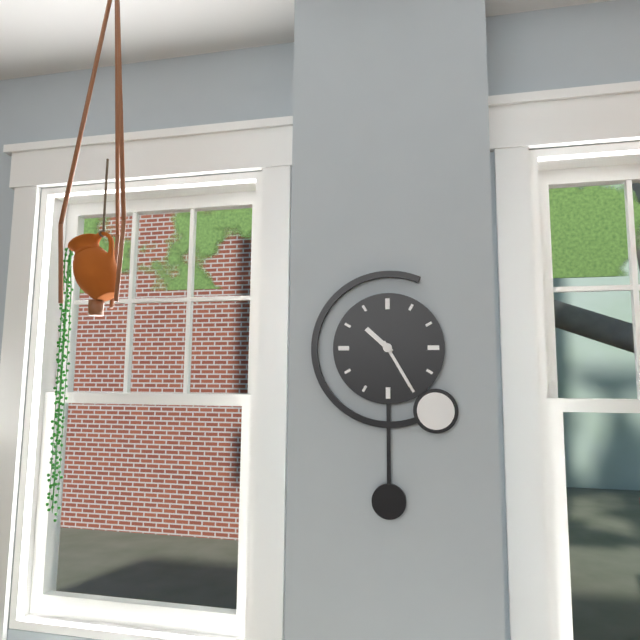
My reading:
{"hour": 10, "minute": 25}
